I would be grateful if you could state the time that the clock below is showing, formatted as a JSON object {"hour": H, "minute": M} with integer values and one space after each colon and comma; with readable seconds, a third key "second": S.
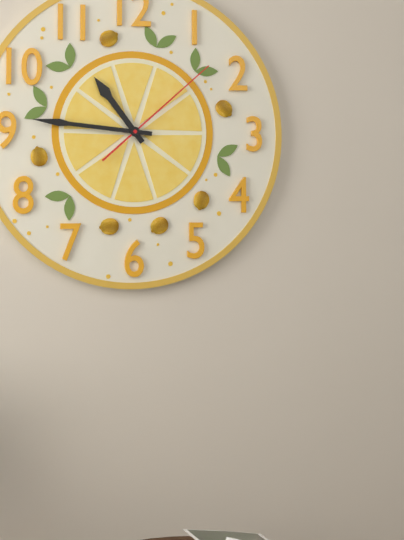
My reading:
{"hour": 10, "minute": 46, "second": 8}
